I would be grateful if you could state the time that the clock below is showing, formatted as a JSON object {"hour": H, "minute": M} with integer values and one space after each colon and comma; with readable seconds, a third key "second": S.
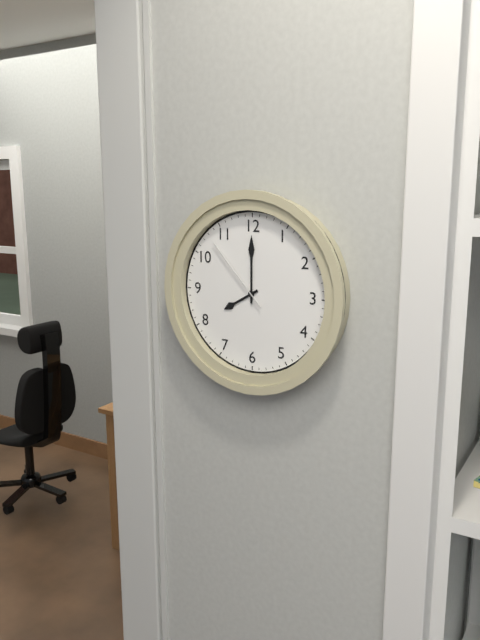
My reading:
{"hour": 8, "minute": 0, "second": 53}
